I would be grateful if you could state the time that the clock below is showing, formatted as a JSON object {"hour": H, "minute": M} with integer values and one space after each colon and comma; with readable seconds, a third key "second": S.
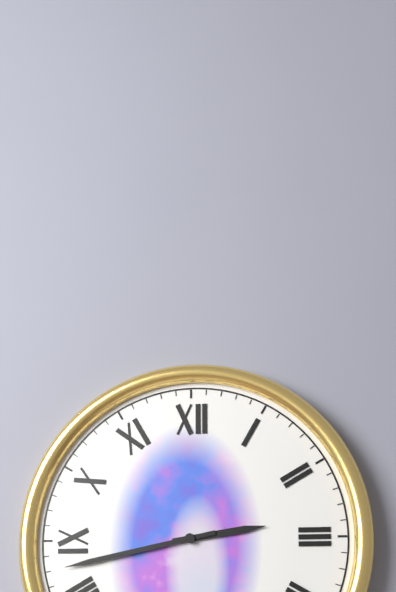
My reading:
{"hour": 2, "minute": 43}
